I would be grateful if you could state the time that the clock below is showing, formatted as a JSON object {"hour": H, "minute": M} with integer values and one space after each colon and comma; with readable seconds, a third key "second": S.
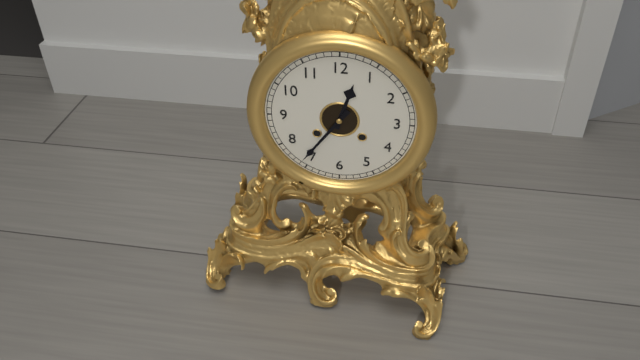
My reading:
{"hour": 12, "minute": 36}
